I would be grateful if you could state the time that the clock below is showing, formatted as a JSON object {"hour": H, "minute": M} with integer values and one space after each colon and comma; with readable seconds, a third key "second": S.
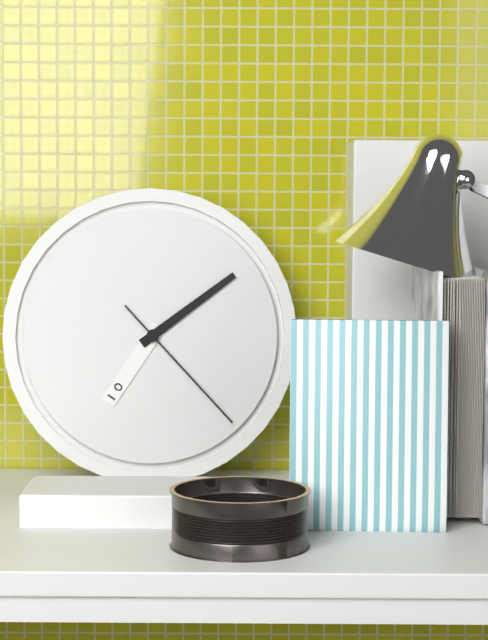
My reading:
{"hour": 7, "minute": 9, "second": 23}
